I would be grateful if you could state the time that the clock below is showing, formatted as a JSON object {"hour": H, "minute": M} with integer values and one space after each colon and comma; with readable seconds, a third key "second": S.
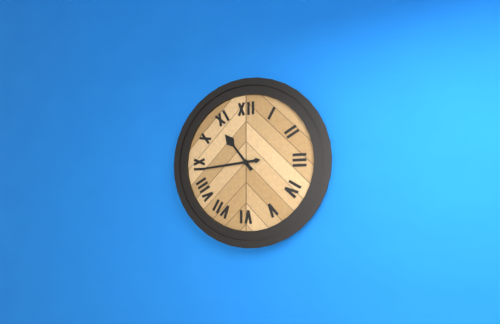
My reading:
{"hour": 10, "minute": 44}
